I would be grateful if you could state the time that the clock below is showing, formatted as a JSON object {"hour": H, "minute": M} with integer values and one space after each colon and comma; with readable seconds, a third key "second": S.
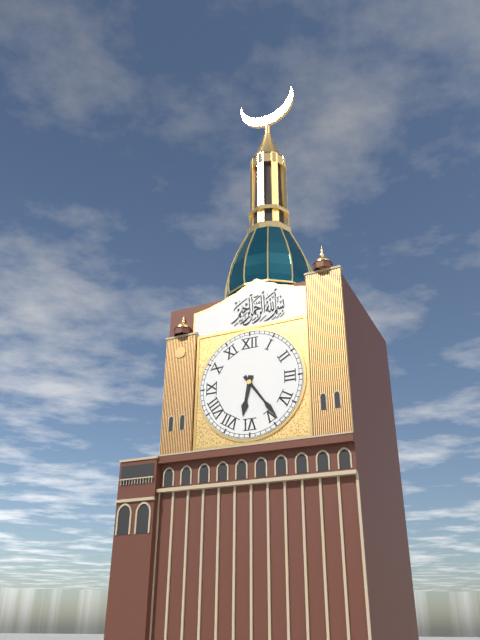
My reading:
{"hour": 6, "minute": 24}
